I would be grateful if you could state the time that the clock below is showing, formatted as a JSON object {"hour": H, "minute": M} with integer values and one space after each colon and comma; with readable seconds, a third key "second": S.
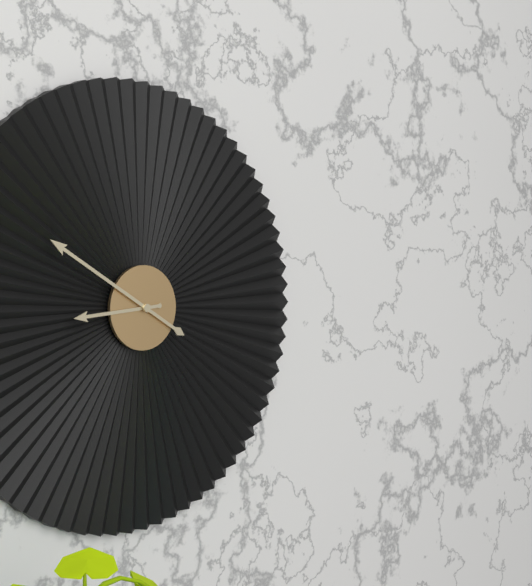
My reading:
{"hour": 8, "minute": 50}
